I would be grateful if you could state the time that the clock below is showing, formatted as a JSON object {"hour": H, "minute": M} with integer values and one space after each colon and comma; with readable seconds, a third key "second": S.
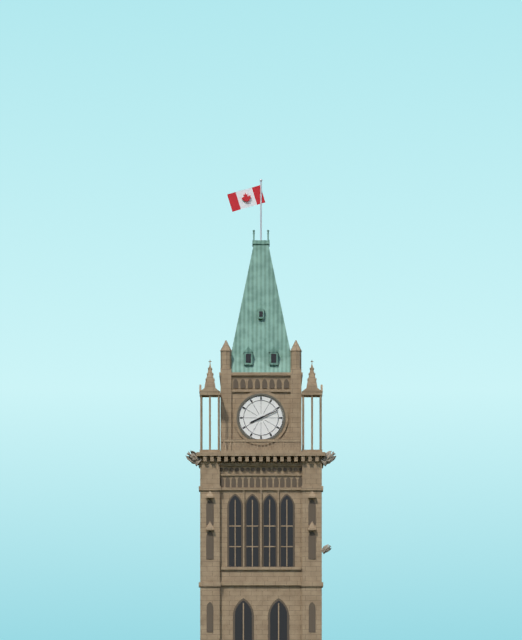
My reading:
{"hour": 8, "minute": 11}
